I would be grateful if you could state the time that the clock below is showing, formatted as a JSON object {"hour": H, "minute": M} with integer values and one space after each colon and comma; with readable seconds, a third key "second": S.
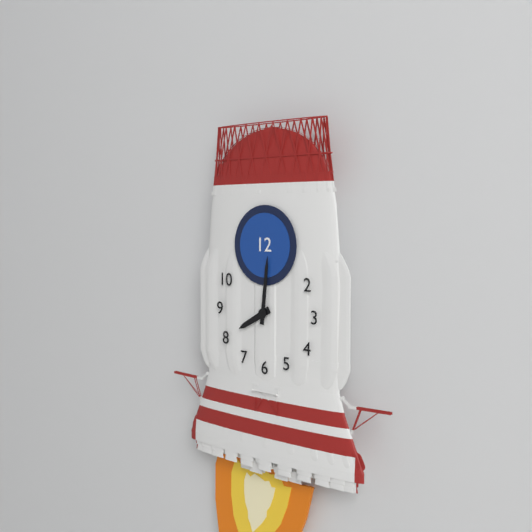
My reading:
{"hour": 8, "minute": 1}
